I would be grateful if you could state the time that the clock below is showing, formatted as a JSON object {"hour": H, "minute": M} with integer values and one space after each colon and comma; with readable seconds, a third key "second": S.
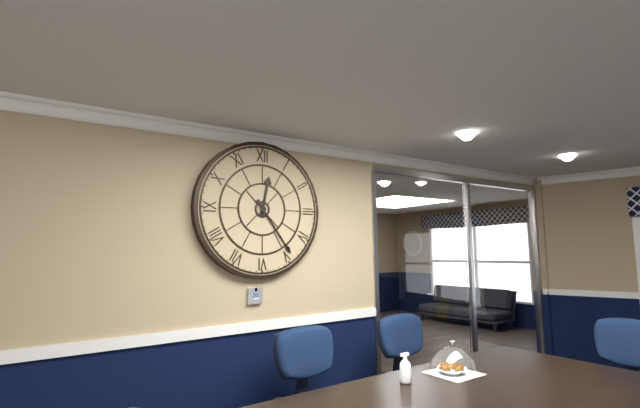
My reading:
{"hour": 12, "minute": 24}
